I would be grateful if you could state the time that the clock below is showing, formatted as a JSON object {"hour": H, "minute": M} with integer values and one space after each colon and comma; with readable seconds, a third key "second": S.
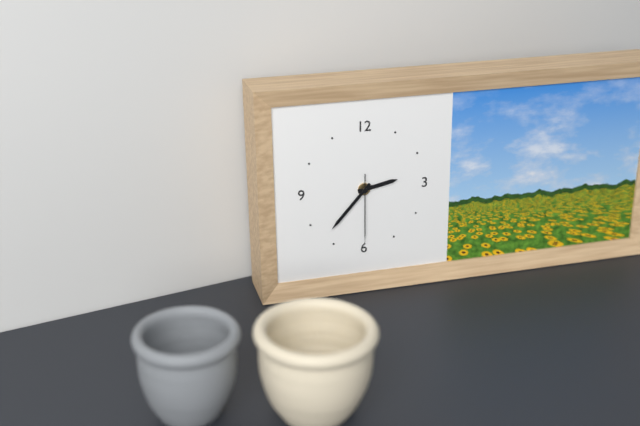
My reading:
{"hour": 2, "minute": 37, "second": 30}
